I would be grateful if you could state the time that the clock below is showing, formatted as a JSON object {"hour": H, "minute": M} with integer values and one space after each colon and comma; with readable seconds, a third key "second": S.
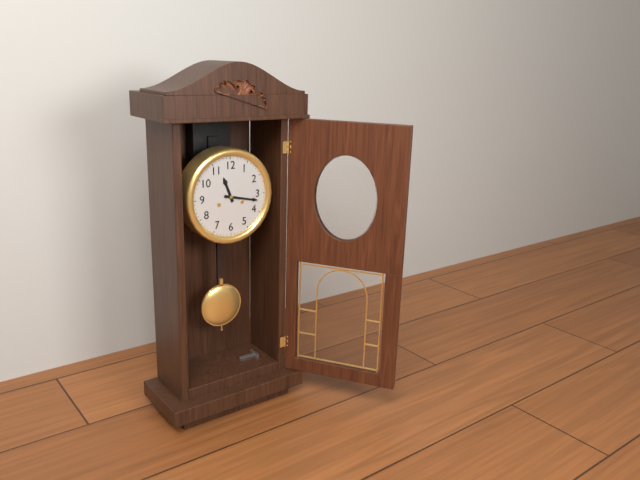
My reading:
{"hour": 11, "minute": 17}
